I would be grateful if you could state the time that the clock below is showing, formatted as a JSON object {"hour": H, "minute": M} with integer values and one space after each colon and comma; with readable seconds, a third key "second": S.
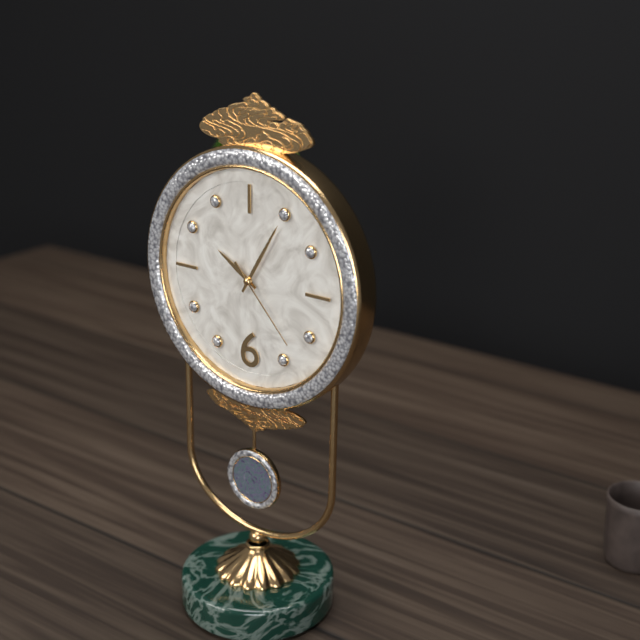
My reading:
{"hour": 10, "minute": 5, "second": 23}
